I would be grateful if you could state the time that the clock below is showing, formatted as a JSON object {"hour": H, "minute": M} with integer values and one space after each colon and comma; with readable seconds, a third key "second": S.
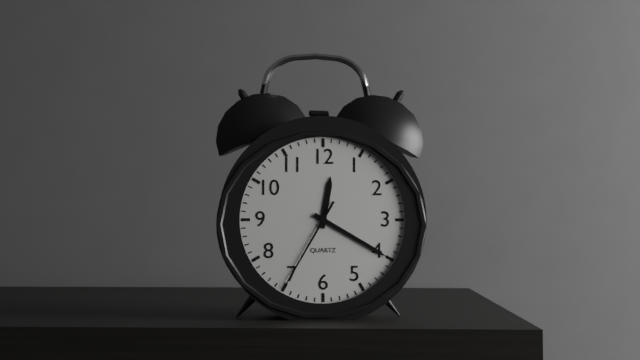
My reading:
{"hour": 12, "minute": 20, "second": 35}
